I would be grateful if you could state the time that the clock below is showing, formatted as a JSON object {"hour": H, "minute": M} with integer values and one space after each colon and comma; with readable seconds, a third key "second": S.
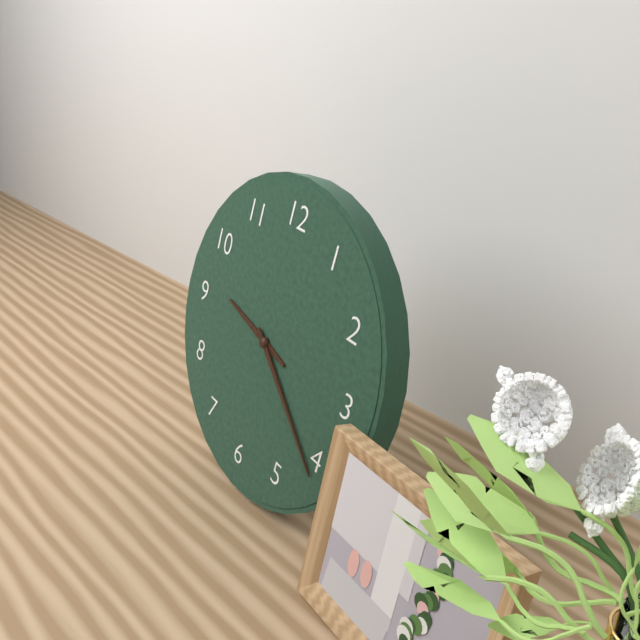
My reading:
{"hour": 9, "minute": 21}
